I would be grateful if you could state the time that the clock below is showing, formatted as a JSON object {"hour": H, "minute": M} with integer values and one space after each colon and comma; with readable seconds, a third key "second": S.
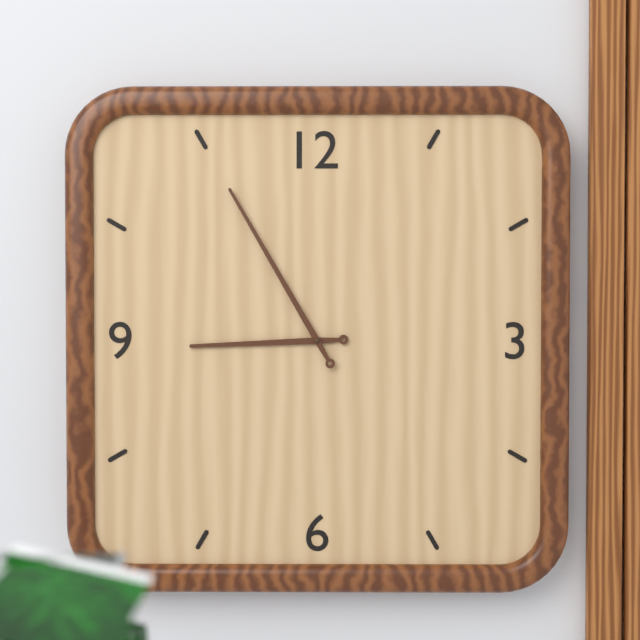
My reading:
{"hour": 8, "minute": 55}
